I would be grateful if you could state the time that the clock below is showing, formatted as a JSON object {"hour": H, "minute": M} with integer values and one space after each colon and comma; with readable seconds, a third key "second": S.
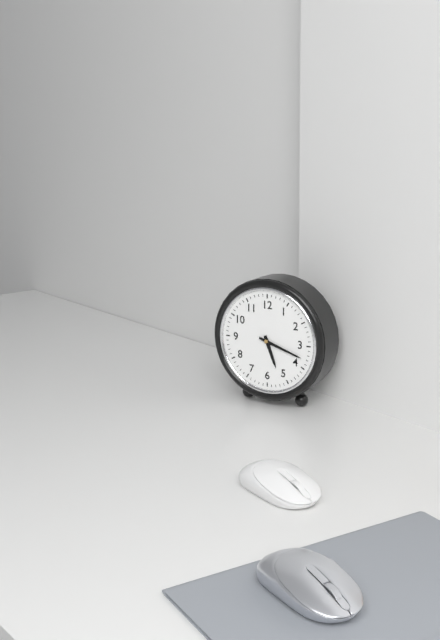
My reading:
{"hour": 5, "minute": 18}
